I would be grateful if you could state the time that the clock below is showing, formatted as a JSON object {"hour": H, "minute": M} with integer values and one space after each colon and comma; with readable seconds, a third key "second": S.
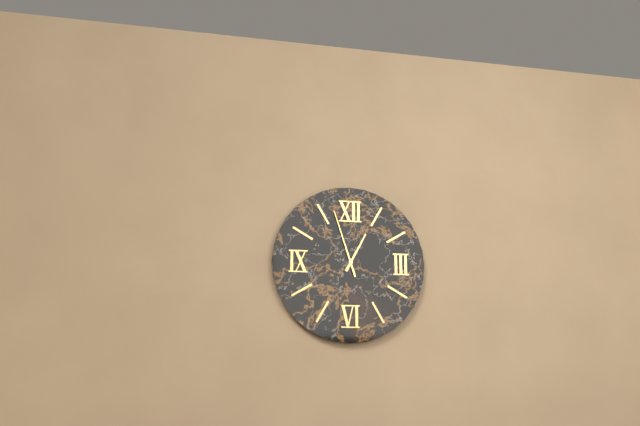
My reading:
{"hour": 12, "minute": 57}
